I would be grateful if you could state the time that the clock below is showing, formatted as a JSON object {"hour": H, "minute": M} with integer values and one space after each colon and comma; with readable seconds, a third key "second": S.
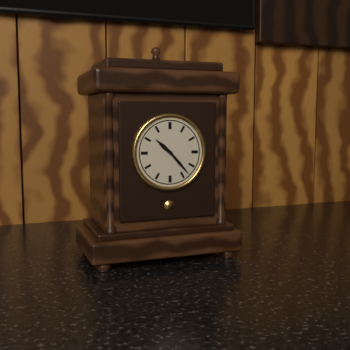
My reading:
{"hour": 10, "minute": 23}
